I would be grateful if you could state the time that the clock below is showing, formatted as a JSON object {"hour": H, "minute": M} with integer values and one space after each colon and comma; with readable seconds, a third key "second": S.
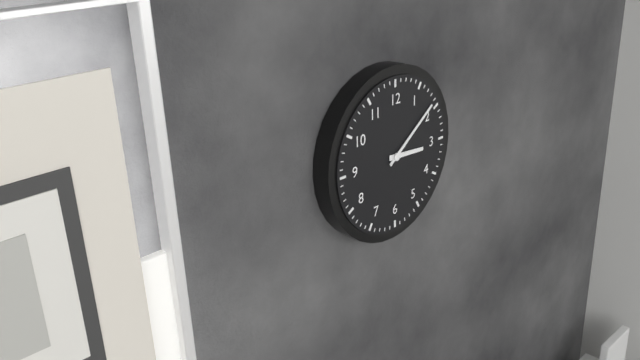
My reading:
{"hour": 3, "minute": 9}
